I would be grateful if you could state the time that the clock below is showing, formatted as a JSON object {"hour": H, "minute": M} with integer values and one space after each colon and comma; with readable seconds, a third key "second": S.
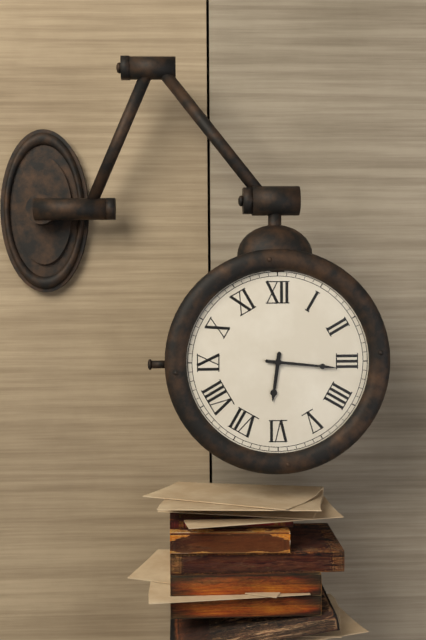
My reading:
{"hour": 6, "minute": 16}
